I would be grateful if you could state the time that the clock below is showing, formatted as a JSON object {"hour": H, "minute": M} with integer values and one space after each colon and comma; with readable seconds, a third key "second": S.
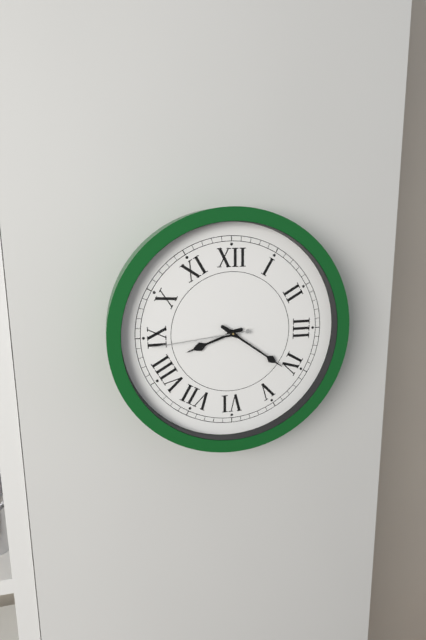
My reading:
{"hour": 8, "minute": 21, "second": 44}
